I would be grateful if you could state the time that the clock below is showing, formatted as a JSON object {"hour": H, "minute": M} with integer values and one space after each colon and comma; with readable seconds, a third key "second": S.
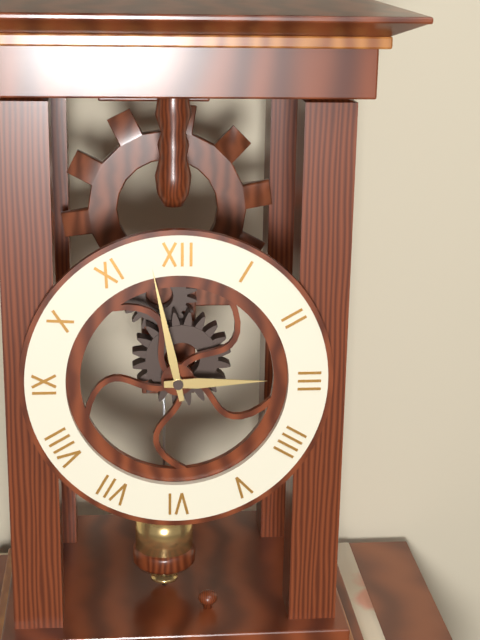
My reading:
{"hour": 2, "minute": 58}
